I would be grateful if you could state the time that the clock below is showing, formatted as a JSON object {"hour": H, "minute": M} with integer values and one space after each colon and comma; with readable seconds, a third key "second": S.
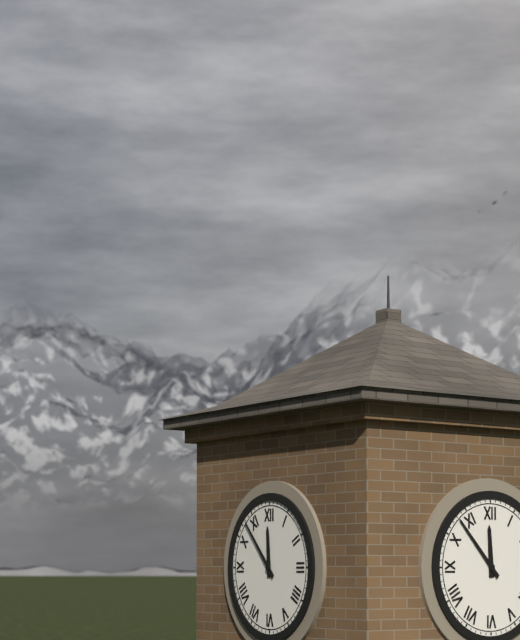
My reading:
{"hour": 11, "minute": 53}
